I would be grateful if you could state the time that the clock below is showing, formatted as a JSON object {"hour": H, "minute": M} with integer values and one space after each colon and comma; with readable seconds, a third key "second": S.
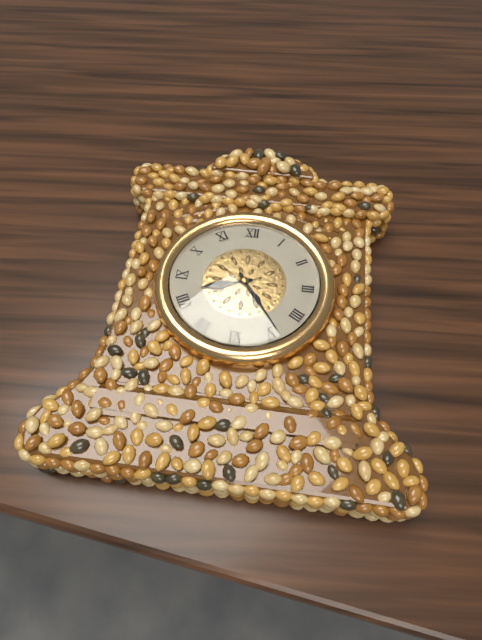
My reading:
{"hour": 8, "minute": 24}
